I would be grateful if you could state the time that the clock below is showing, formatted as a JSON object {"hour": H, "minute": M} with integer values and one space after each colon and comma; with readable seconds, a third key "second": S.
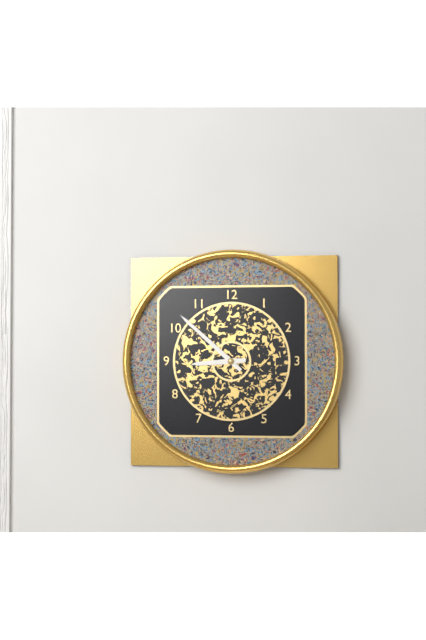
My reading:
{"hour": 8, "minute": 52}
